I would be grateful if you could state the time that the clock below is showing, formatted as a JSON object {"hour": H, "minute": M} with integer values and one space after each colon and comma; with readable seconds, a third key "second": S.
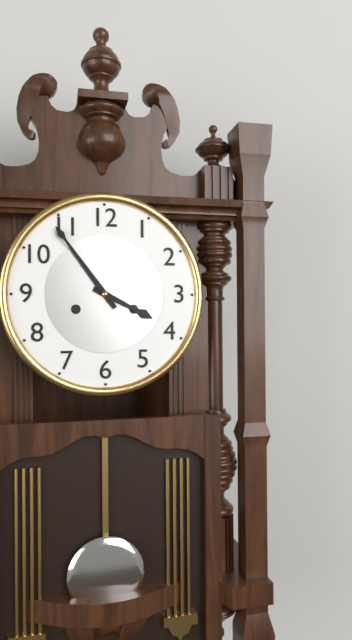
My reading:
{"hour": 3, "minute": 54}
